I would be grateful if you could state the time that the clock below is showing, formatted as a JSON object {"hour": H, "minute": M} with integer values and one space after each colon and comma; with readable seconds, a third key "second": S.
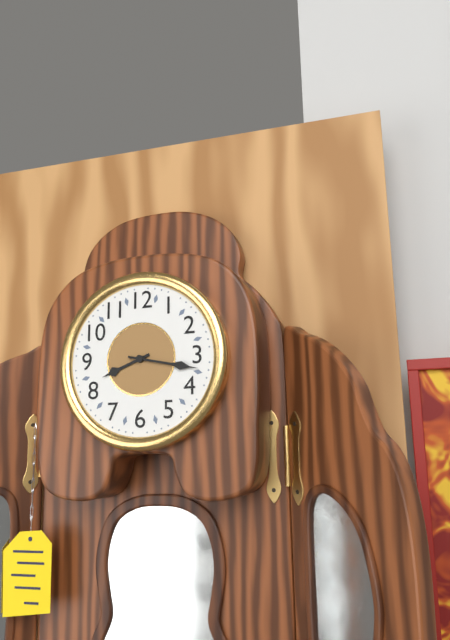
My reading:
{"hour": 8, "minute": 17}
